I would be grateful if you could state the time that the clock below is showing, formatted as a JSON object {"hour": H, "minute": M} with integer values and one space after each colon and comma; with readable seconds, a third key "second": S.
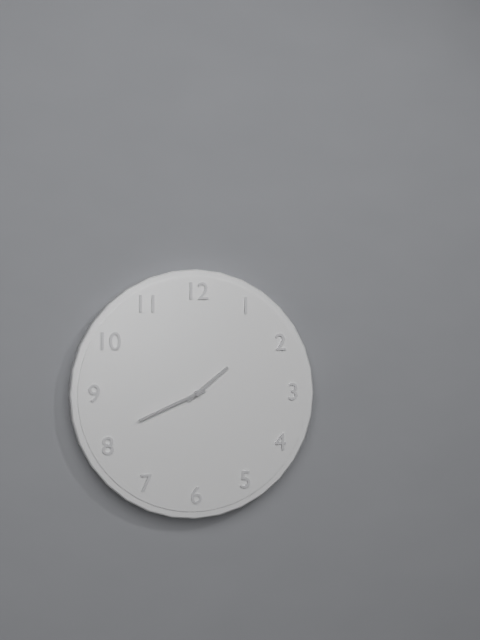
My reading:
{"hour": 1, "minute": 41}
